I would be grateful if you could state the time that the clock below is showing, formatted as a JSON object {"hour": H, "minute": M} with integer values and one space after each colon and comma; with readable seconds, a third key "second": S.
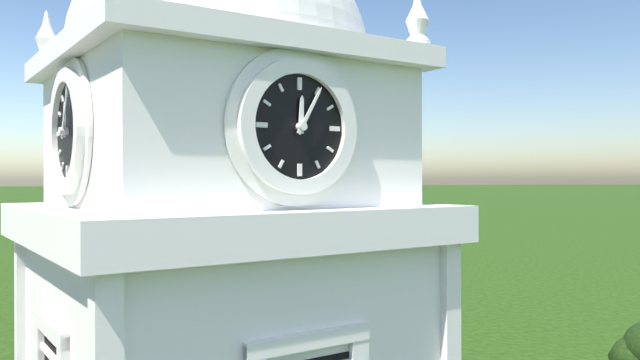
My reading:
{"hour": 12, "minute": 5}
